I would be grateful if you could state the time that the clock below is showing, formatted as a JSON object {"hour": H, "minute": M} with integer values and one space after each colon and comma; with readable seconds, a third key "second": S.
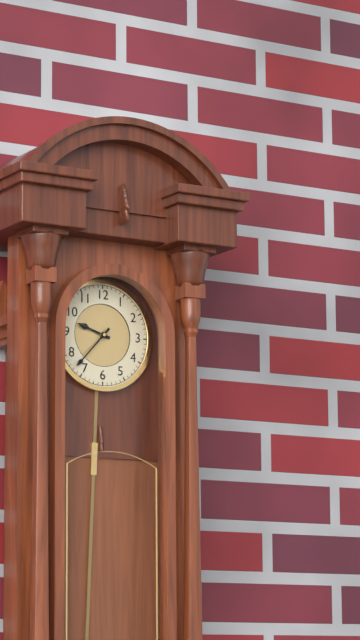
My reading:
{"hour": 9, "minute": 37}
